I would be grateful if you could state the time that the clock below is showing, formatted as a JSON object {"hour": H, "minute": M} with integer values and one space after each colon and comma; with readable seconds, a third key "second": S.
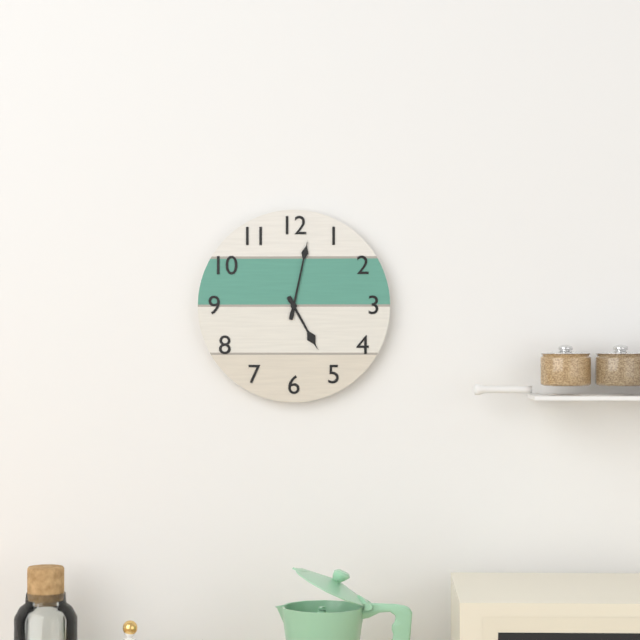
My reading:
{"hour": 5, "minute": 2}
